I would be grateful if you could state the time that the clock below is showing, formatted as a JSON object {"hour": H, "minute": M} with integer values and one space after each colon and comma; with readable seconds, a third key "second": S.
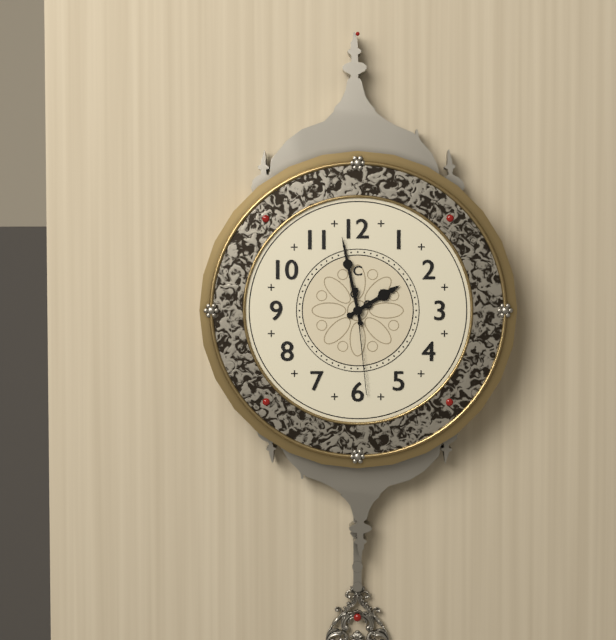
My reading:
{"hour": 1, "minute": 58, "second": 29}
